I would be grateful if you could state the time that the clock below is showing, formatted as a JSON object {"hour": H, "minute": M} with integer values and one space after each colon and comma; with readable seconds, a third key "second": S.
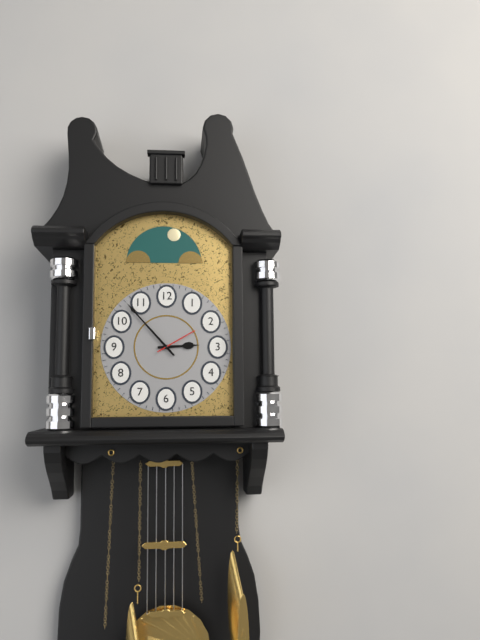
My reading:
{"hour": 2, "minute": 53}
